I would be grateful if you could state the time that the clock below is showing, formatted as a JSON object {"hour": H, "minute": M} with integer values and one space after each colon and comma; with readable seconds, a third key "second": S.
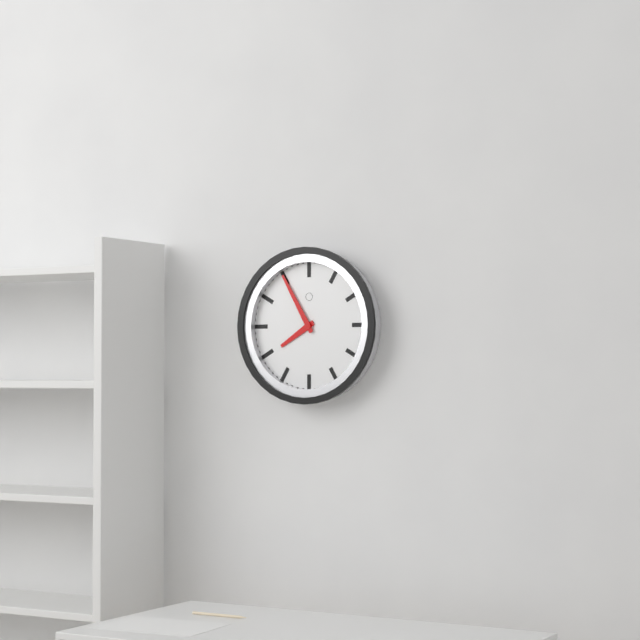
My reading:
{"hour": 7, "minute": 55}
